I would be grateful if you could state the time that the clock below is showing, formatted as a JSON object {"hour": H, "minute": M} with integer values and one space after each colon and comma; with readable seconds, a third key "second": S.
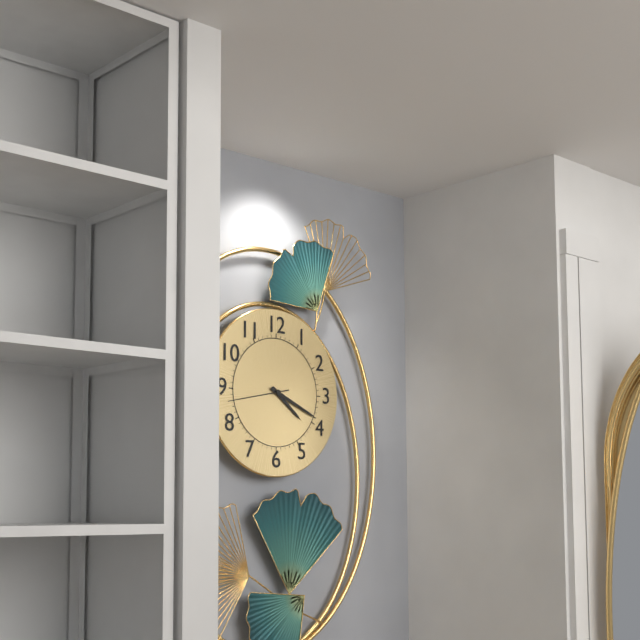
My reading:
{"hour": 4, "minute": 19, "second": 43}
